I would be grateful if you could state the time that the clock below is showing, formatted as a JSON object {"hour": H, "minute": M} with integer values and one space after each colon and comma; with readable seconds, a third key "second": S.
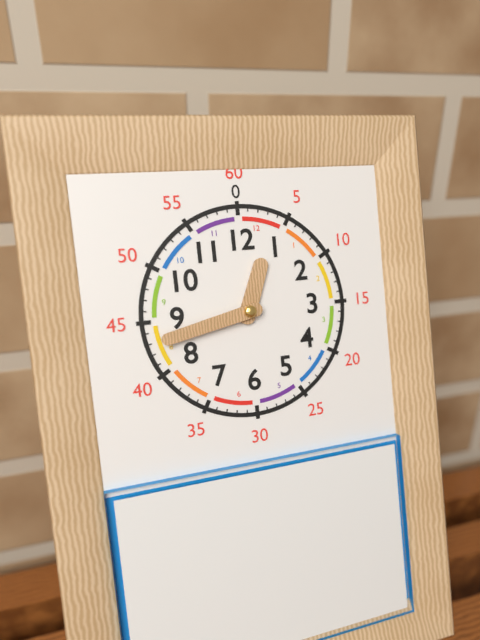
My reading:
{"hour": 12, "minute": 43}
